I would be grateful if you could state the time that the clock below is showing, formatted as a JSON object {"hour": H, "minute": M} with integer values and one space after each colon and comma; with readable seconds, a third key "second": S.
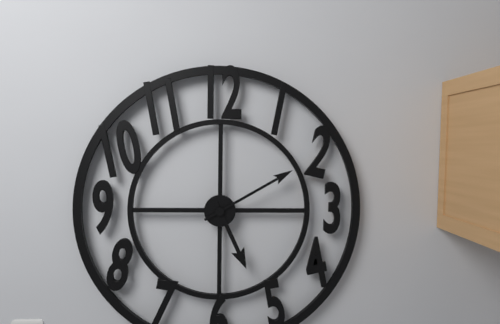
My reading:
{"hour": 5, "minute": 10}
